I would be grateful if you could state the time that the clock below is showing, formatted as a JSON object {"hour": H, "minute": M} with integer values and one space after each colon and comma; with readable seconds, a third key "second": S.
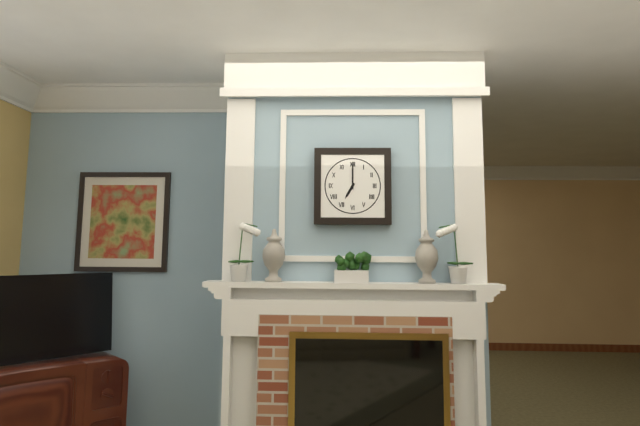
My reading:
{"hour": 7, "minute": 0}
